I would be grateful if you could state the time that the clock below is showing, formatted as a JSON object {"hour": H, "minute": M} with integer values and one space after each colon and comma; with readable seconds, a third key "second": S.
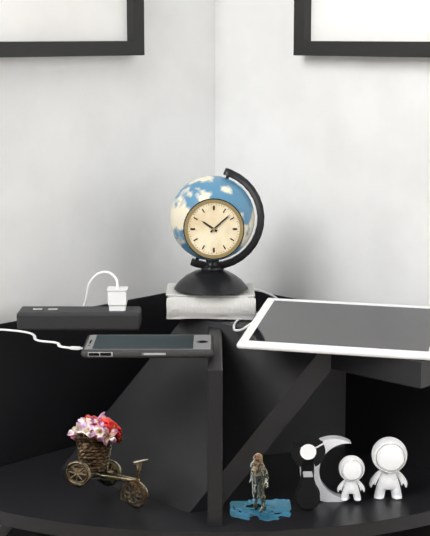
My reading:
{"hour": 10, "minute": 8}
